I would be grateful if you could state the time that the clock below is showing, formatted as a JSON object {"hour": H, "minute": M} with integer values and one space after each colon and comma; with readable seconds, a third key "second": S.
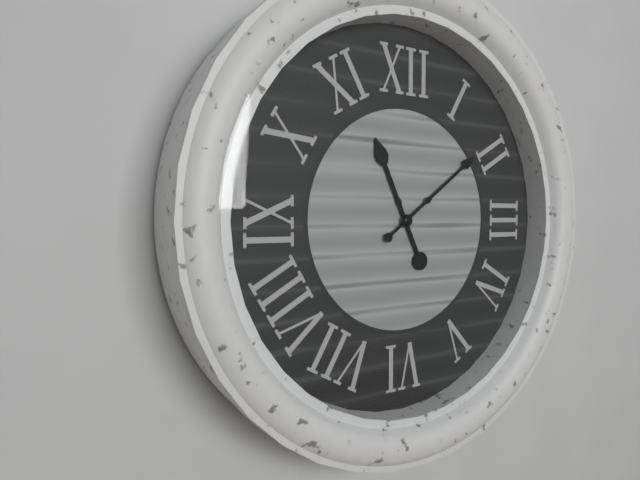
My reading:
{"hour": 11, "minute": 9}
